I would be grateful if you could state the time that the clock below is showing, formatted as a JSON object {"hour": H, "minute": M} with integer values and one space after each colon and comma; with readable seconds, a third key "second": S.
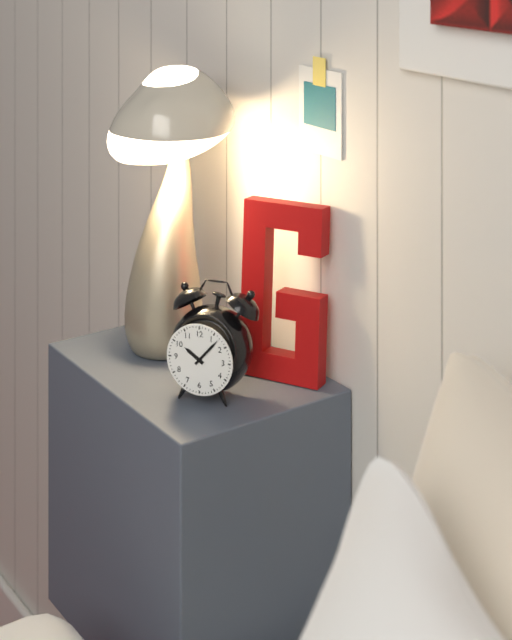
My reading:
{"hour": 10, "minute": 7}
